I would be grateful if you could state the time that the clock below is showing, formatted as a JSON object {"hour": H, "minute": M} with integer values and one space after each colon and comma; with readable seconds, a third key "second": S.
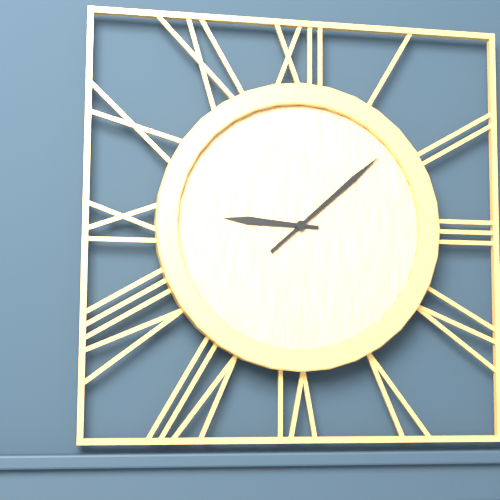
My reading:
{"hour": 9, "minute": 8}
